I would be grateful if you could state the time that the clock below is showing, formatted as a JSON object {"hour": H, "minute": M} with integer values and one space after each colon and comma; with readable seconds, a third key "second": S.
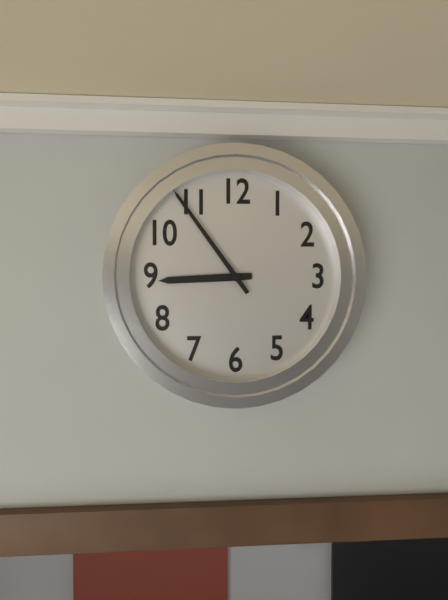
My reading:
{"hour": 8, "minute": 54}
